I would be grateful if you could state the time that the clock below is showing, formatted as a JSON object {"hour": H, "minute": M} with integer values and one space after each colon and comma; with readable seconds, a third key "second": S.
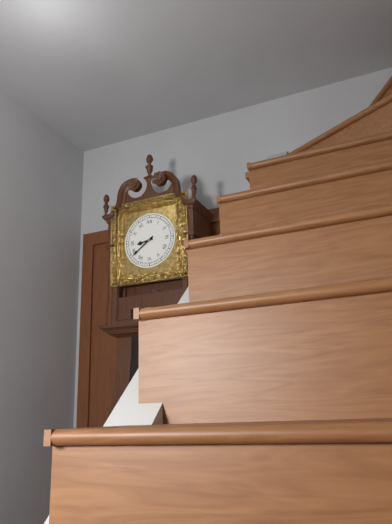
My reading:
{"hour": 8, "minute": 39}
